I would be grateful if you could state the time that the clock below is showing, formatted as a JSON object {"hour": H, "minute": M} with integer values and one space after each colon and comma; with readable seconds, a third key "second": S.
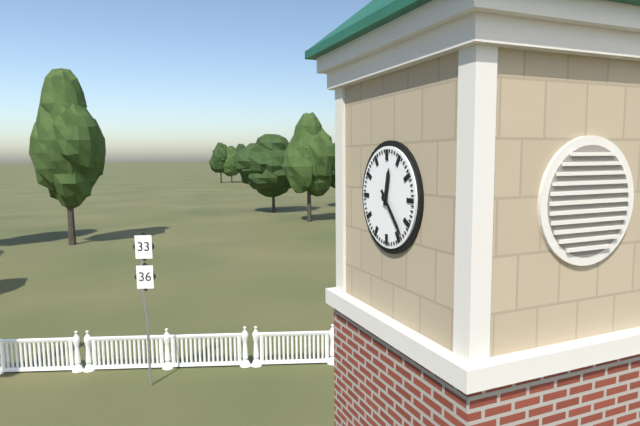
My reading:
{"hour": 12, "minute": 23}
